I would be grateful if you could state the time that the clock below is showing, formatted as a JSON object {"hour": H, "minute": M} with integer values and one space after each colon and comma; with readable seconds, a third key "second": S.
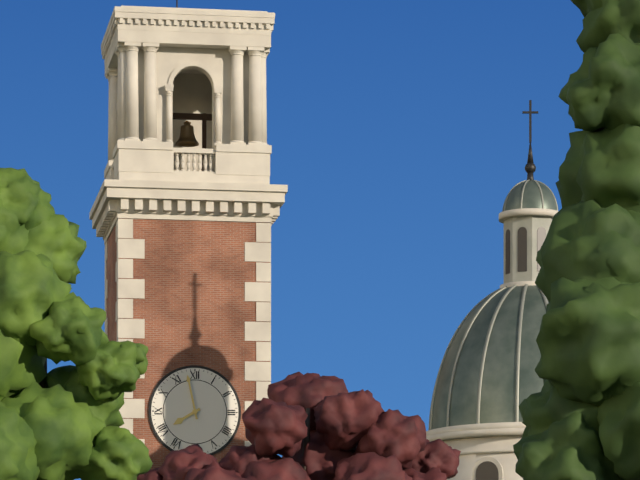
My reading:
{"hour": 7, "minute": 58}
